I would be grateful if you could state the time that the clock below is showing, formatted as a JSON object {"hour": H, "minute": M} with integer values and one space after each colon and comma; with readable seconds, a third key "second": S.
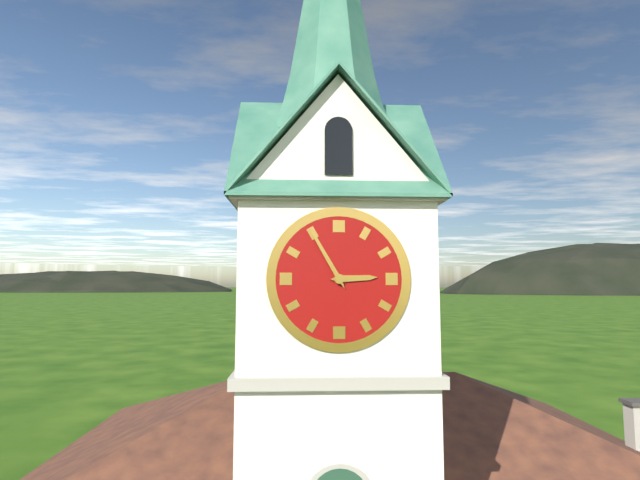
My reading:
{"hour": 2, "minute": 55}
